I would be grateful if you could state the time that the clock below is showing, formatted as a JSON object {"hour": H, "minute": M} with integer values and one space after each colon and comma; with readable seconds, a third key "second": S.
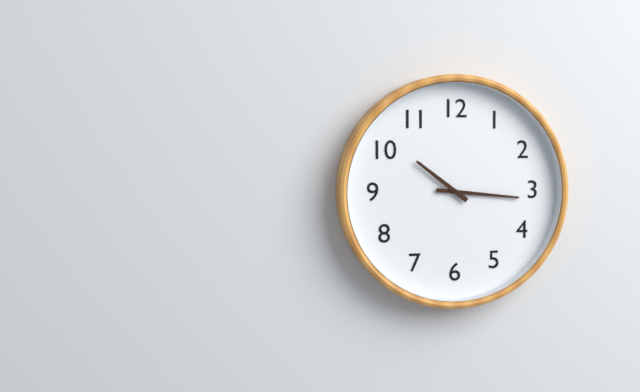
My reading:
{"hour": 10, "minute": 16}
